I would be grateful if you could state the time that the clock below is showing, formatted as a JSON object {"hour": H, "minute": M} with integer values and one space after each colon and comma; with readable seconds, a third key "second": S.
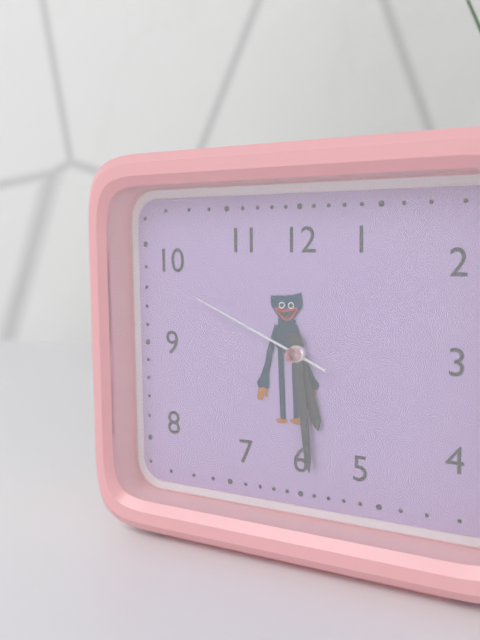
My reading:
{"hour": 5, "minute": 29, "second": 49}
